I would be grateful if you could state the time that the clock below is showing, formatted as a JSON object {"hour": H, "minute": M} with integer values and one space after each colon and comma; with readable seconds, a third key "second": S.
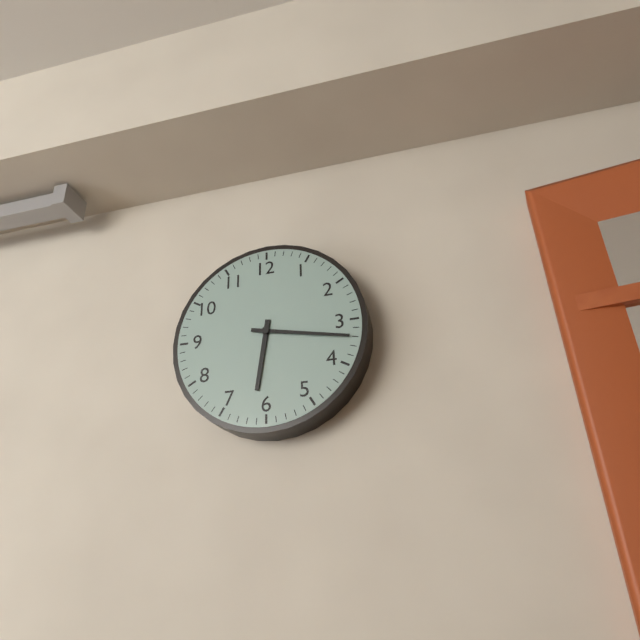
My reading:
{"hour": 6, "minute": 17}
